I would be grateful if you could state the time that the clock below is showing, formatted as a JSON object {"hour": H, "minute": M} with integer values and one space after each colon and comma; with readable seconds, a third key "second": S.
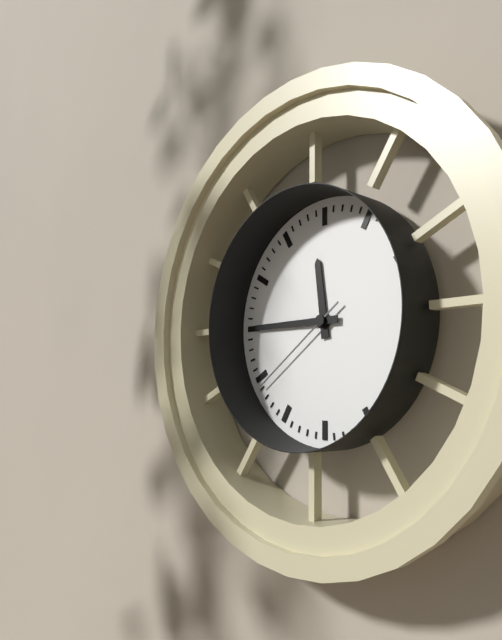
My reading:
{"hour": 11, "minute": 45, "second": 39}
